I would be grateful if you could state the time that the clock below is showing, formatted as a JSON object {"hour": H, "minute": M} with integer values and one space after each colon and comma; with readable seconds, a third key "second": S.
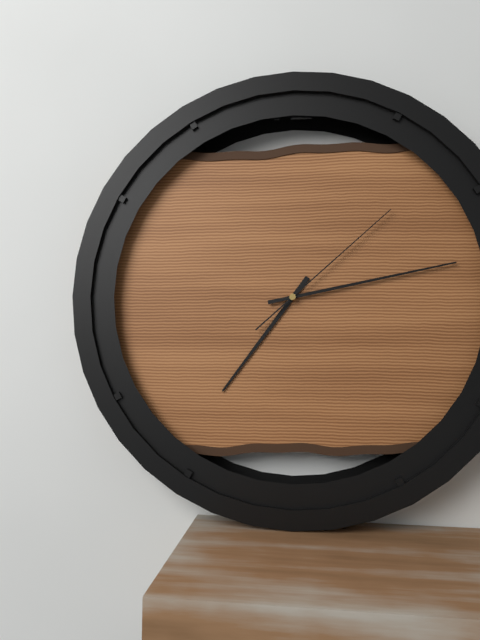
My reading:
{"hour": 7, "minute": 13, "second": 8}
